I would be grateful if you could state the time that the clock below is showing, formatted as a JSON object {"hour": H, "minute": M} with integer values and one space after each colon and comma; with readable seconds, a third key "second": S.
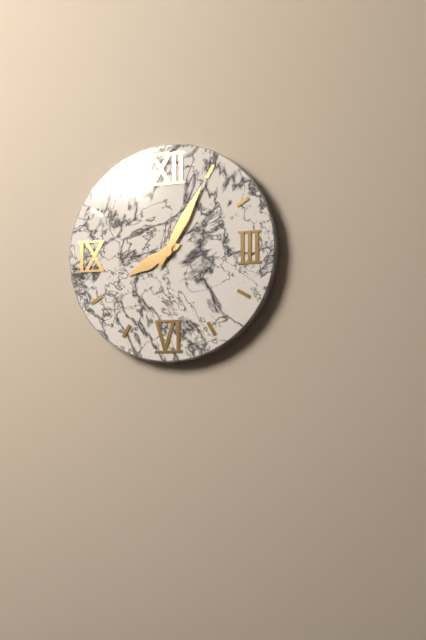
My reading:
{"hour": 8, "minute": 5}
